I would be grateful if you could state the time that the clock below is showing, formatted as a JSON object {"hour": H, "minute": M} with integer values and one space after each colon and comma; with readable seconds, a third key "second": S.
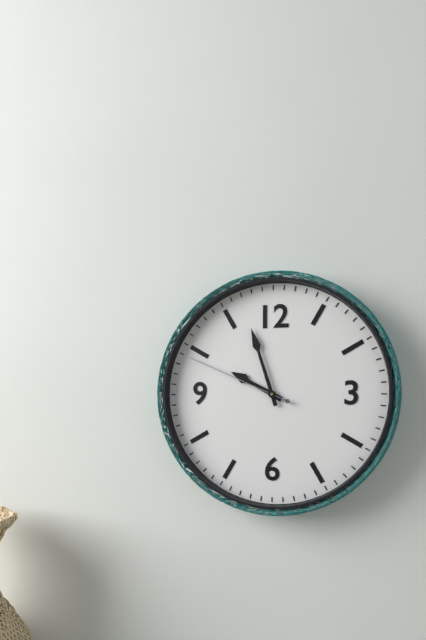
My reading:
{"hour": 9, "minute": 57, "second": 49}
